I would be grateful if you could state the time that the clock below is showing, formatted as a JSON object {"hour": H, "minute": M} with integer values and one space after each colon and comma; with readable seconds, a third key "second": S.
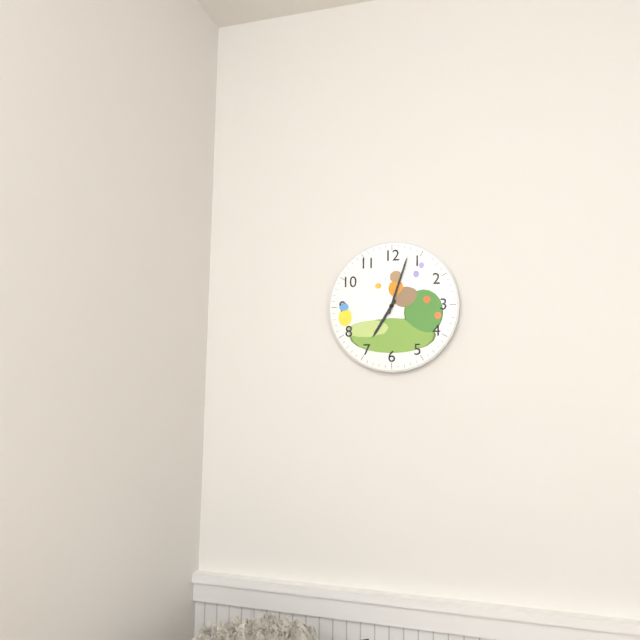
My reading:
{"hour": 7, "minute": 3}
